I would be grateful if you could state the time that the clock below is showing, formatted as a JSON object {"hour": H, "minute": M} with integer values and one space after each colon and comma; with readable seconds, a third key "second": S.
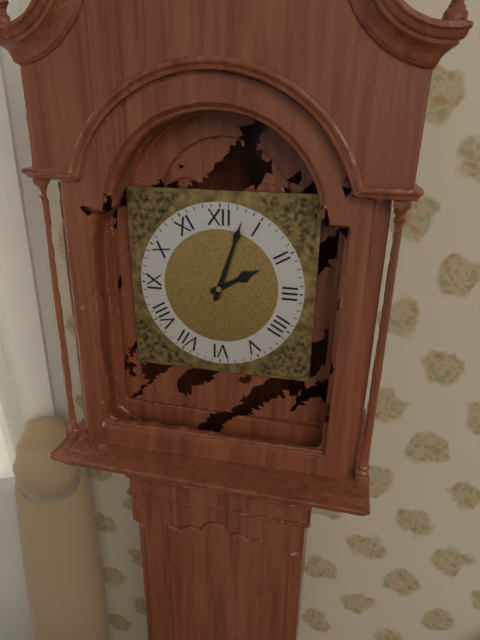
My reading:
{"hour": 2, "minute": 3}
